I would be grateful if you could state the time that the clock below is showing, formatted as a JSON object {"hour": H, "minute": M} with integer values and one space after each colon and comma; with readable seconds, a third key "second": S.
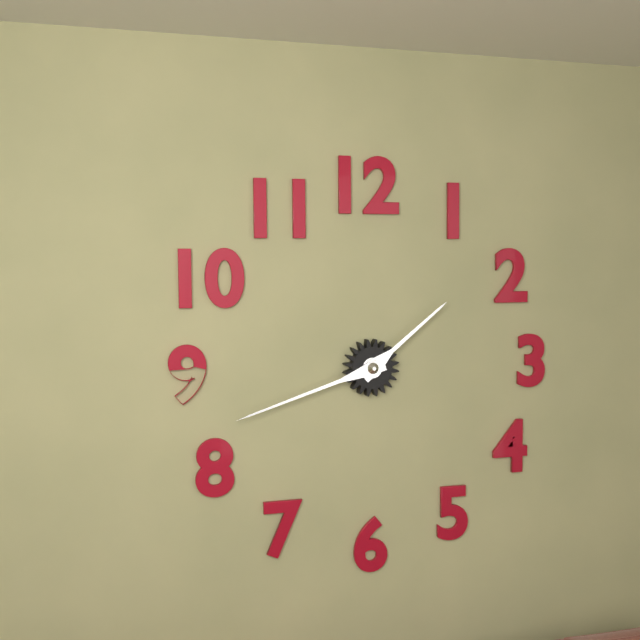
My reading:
{"hour": 1, "minute": 42}
